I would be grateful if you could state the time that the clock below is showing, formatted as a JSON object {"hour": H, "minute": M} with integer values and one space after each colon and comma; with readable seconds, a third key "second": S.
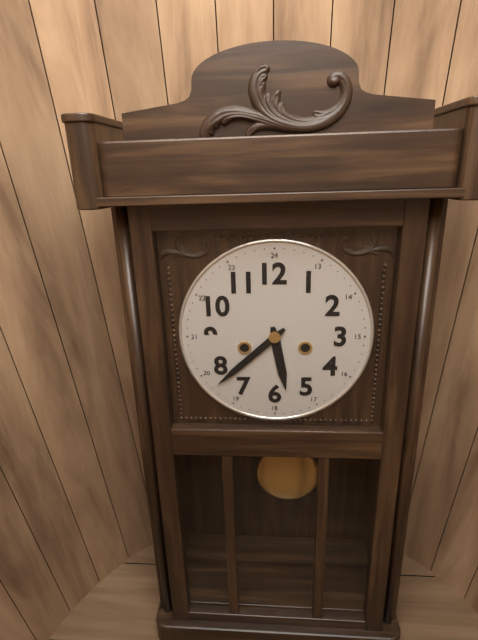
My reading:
{"hour": 5, "minute": 38}
